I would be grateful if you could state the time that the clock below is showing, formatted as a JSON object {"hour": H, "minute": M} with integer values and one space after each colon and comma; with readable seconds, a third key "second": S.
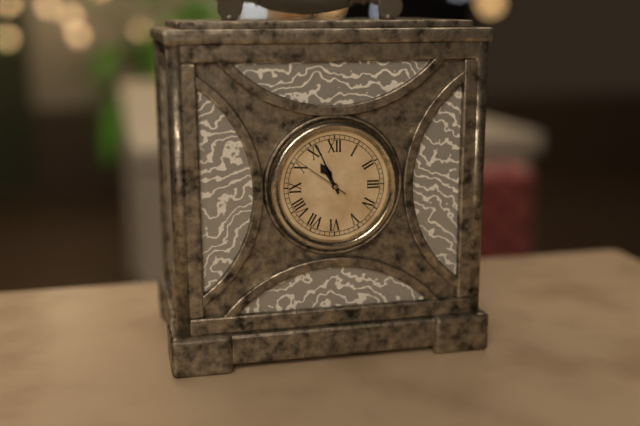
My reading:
{"hour": 10, "minute": 56, "second": 51}
